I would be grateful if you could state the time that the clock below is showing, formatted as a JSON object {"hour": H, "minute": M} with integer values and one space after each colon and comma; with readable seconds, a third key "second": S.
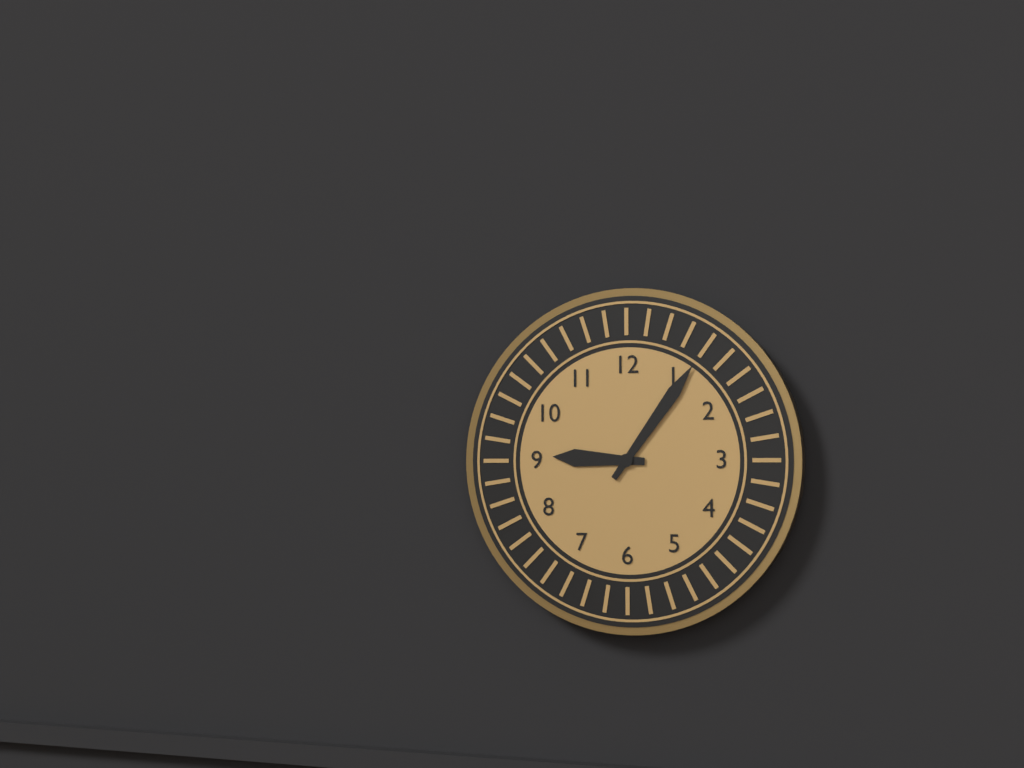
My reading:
{"hour": 9, "minute": 6}
